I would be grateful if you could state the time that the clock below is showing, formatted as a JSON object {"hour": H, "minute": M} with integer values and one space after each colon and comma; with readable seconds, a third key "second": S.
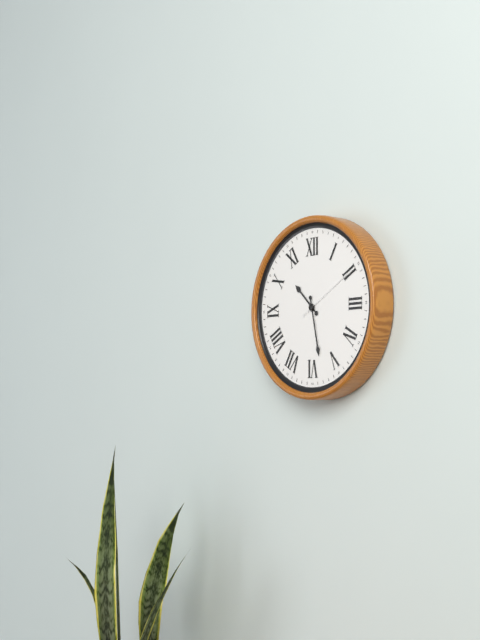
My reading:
{"hour": 10, "minute": 28, "second": 10}
